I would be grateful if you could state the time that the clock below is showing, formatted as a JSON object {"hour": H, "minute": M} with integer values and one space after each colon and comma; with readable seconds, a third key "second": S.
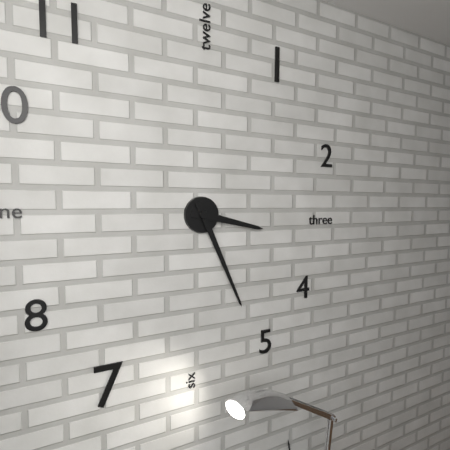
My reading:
{"hour": 3, "minute": 26}
